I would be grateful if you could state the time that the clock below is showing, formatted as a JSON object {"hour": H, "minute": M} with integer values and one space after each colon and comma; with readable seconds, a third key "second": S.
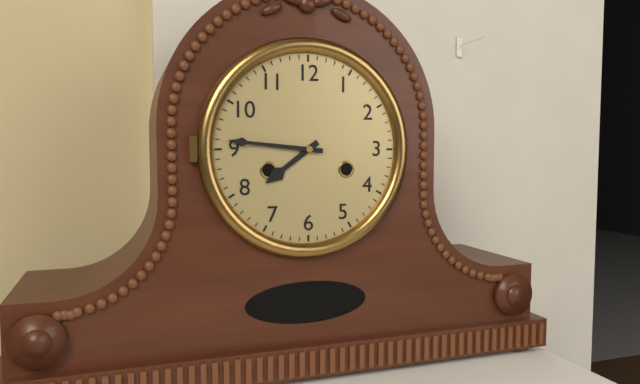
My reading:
{"hour": 7, "minute": 46}
